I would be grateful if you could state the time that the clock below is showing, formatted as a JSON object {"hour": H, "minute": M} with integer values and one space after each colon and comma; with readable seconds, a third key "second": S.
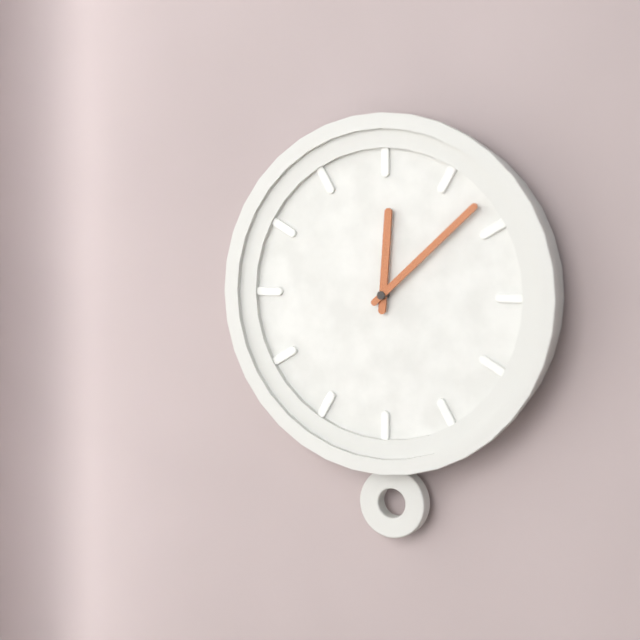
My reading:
{"hour": 12, "minute": 8}
